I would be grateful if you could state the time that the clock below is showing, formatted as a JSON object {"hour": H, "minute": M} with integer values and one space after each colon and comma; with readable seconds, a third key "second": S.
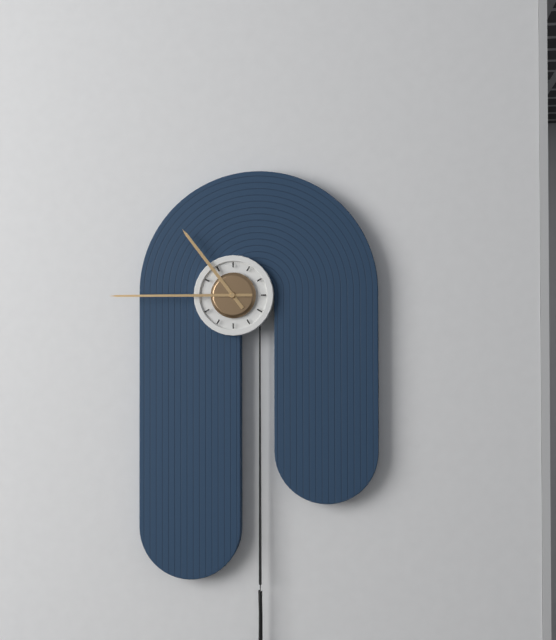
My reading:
{"hour": 10, "minute": 45}
